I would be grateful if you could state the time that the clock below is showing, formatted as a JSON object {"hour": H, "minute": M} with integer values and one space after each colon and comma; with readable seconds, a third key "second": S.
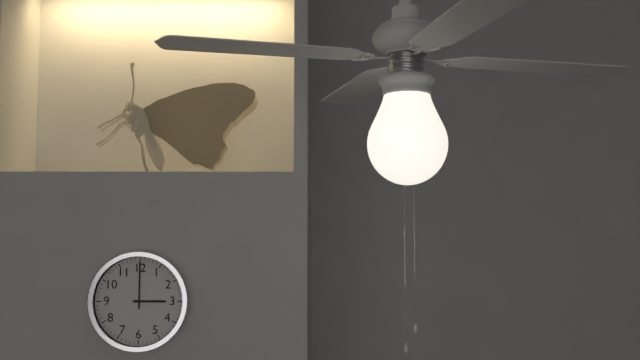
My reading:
{"hour": 3, "minute": 0}
